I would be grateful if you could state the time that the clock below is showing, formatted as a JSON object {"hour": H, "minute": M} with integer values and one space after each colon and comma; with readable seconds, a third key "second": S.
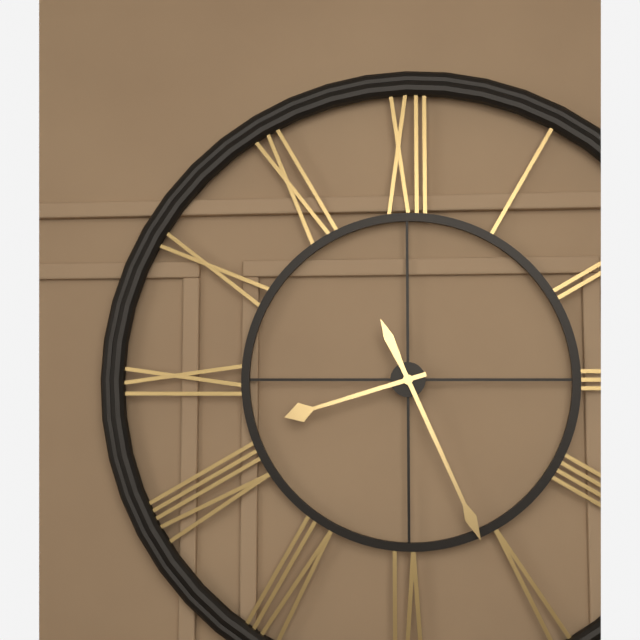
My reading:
{"hour": 8, "minute": 26}
